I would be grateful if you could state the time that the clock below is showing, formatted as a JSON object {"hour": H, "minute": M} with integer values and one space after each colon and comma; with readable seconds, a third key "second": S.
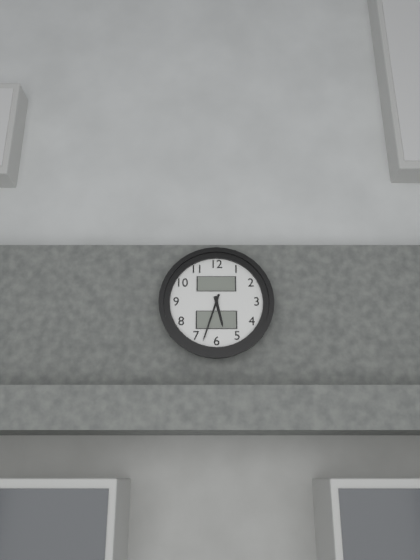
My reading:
{"hour": 5, "minute": 33}
